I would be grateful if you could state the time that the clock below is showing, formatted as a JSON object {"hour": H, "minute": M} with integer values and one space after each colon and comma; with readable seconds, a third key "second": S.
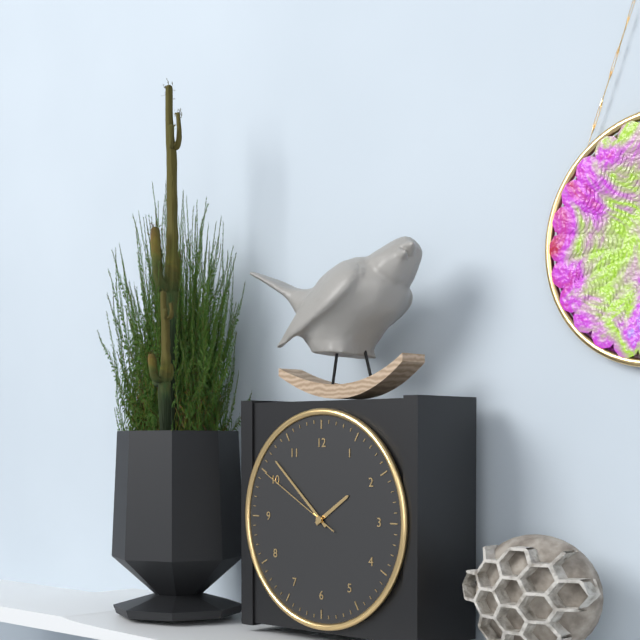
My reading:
{"hour": 1, "minute": 52, "second": 50}
